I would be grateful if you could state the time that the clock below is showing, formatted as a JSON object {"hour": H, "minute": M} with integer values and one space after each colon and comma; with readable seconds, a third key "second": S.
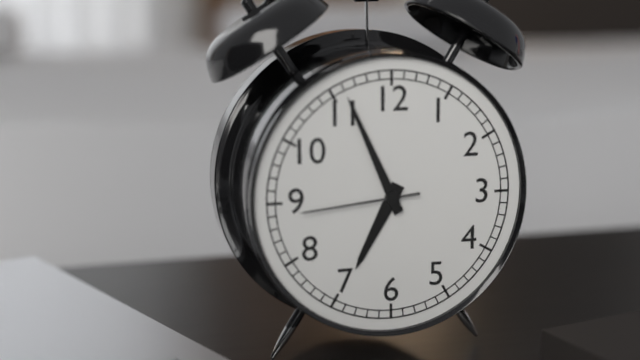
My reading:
{"hour": 6, "minute": 56, "second": 44}
